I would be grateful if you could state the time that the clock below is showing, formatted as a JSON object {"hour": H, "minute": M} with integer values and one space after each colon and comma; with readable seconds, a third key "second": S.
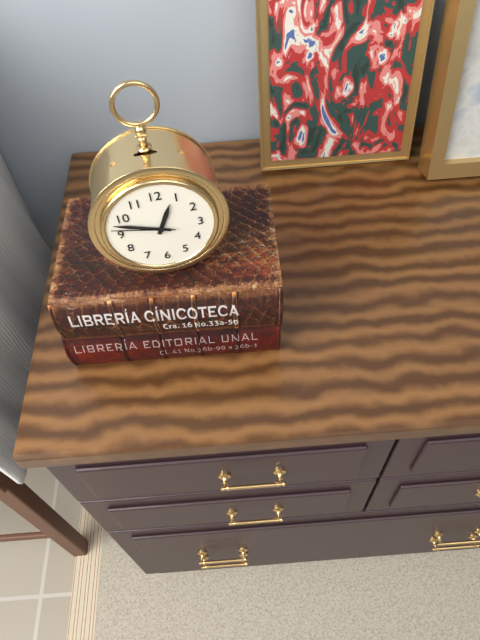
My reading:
{"hour": 12, "minute": 48, "second": 47}
